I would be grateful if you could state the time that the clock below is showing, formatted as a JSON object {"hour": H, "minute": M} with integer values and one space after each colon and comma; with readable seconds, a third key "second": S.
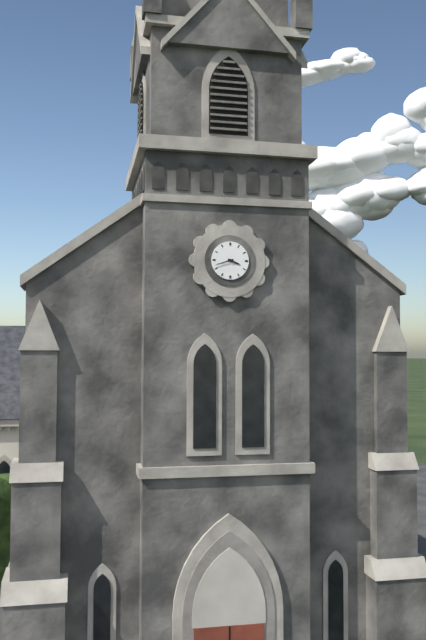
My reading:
{"hour": 3, "minute": 42}
